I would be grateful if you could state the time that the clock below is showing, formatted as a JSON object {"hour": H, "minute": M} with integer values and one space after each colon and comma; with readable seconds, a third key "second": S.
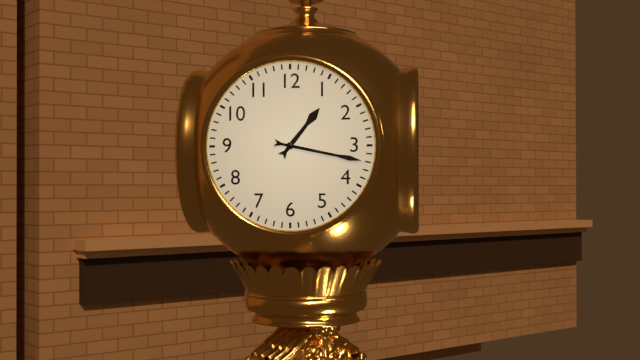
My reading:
{"hour": 1, "minute": 17}
